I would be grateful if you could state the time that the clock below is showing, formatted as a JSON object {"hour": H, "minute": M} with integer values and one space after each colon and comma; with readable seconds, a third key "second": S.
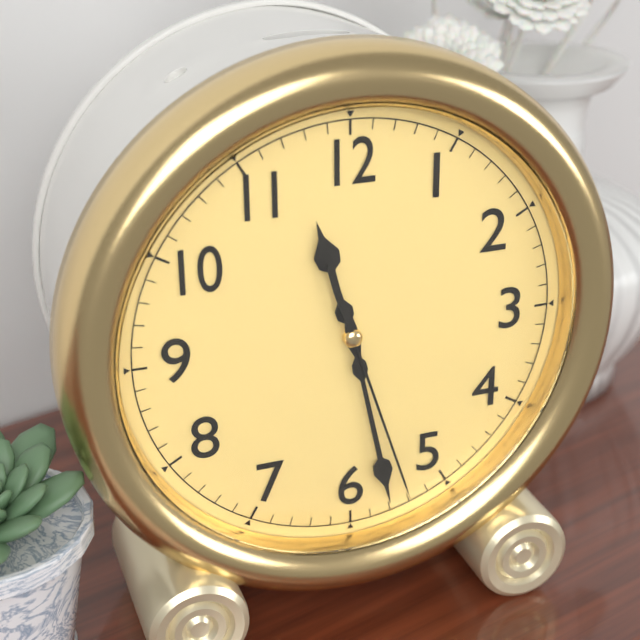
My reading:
{"hour": 11, "minute": 28, "second": 27}
